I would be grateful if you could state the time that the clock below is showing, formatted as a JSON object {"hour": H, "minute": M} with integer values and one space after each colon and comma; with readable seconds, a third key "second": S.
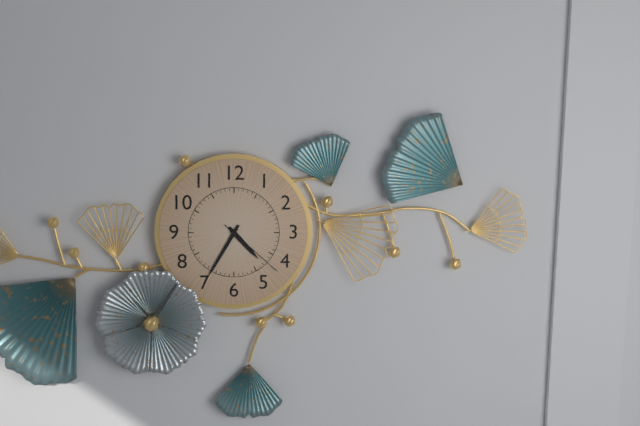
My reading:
{"hour": 4, "minute": 35, "second": 22}
